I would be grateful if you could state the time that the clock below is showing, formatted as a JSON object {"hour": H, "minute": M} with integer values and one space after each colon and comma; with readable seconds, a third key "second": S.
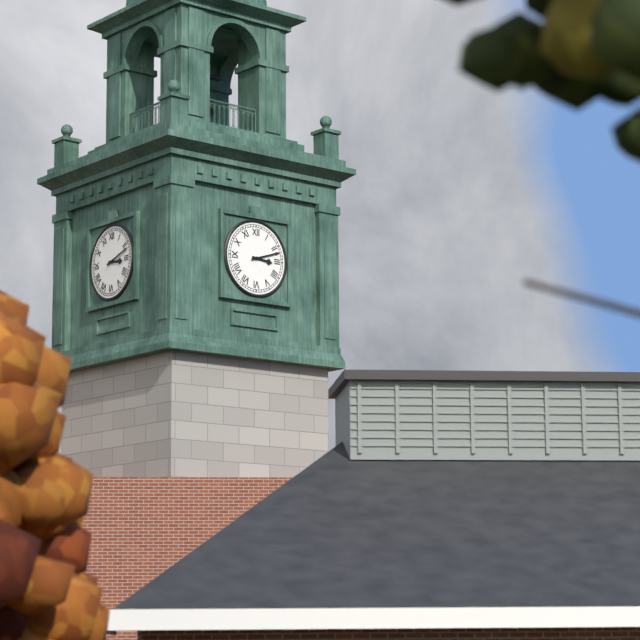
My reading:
{"hour": 3, "minute": 12}
